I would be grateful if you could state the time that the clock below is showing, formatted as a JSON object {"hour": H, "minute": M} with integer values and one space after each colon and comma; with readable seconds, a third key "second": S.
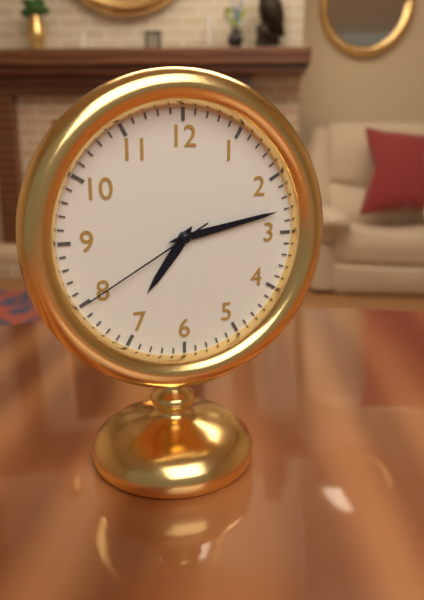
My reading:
{"hour": 7, "minute": 13, "second": 40}
